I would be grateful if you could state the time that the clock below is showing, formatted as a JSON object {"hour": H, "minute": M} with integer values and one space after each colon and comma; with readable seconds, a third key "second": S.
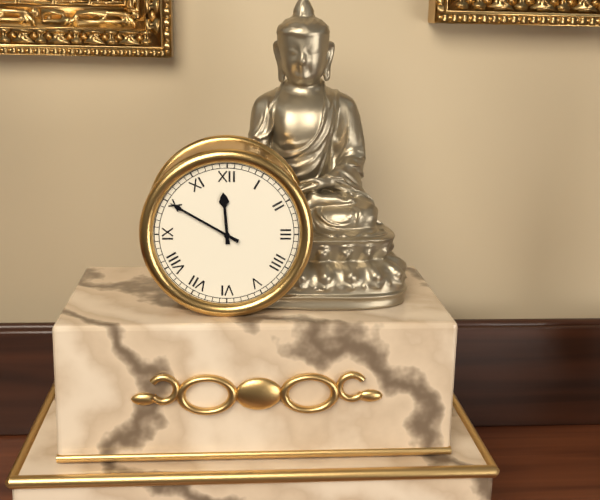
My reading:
{"hour": 11, "minute": 50}
